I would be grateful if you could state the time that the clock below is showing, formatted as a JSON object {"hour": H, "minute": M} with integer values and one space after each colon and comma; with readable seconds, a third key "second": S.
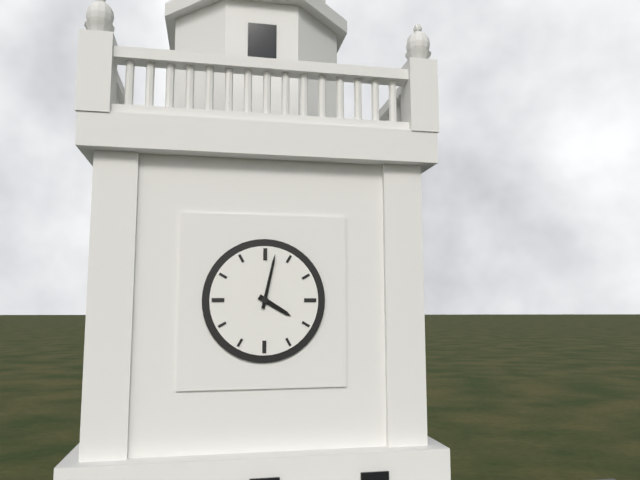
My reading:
{"hour": 4, "minute": 2}
